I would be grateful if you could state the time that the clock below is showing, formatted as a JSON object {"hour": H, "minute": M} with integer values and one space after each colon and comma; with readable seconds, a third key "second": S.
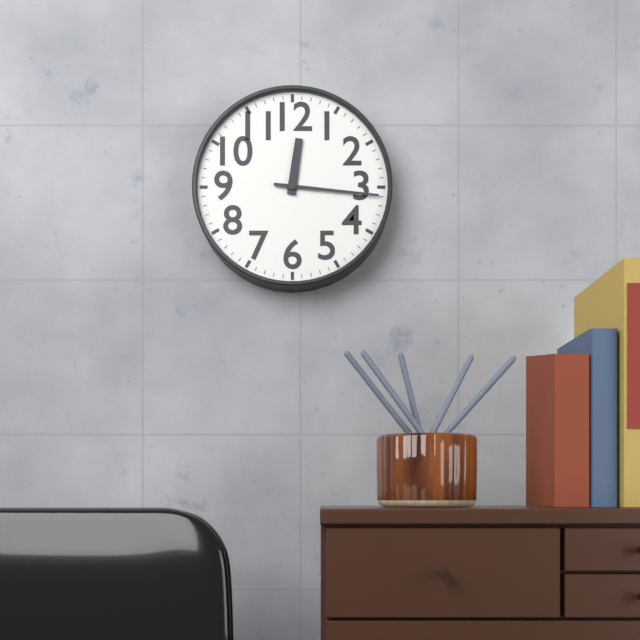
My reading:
{"hour": 12, "minute": 16}
